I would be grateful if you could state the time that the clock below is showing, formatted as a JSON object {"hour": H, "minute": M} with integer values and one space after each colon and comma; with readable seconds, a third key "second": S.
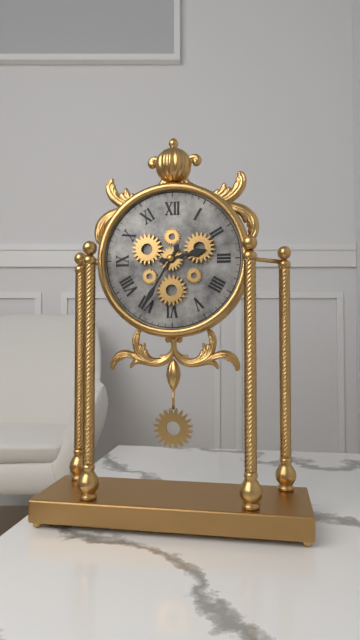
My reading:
{"hour": 2, "minute": 35}
